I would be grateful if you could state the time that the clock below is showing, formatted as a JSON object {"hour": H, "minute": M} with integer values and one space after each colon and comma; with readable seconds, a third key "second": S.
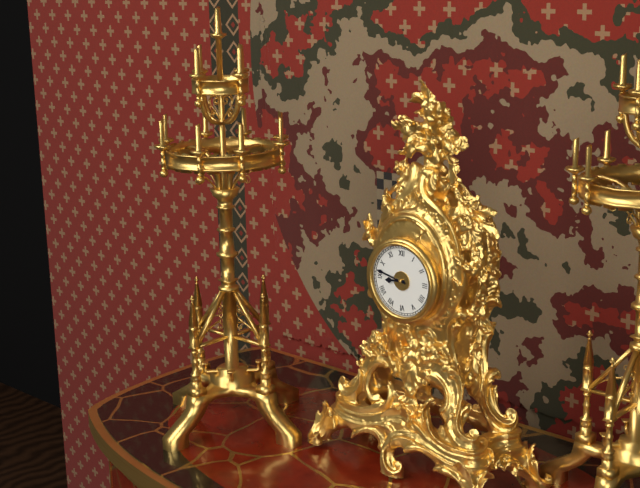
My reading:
{"hour": 8, "minute": 47}
